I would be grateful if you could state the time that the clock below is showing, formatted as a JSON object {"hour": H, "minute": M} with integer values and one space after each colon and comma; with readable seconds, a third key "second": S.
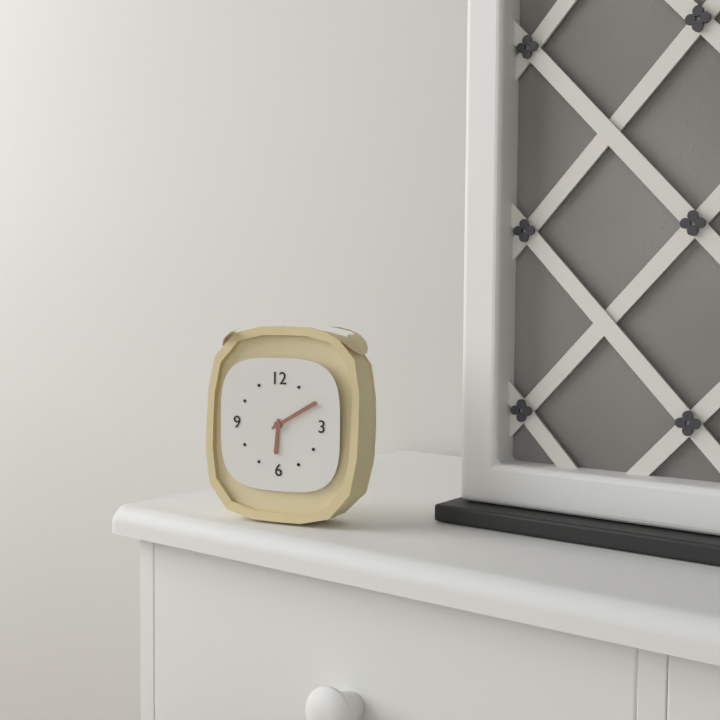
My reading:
{"hour": 6, "minute": 10}
